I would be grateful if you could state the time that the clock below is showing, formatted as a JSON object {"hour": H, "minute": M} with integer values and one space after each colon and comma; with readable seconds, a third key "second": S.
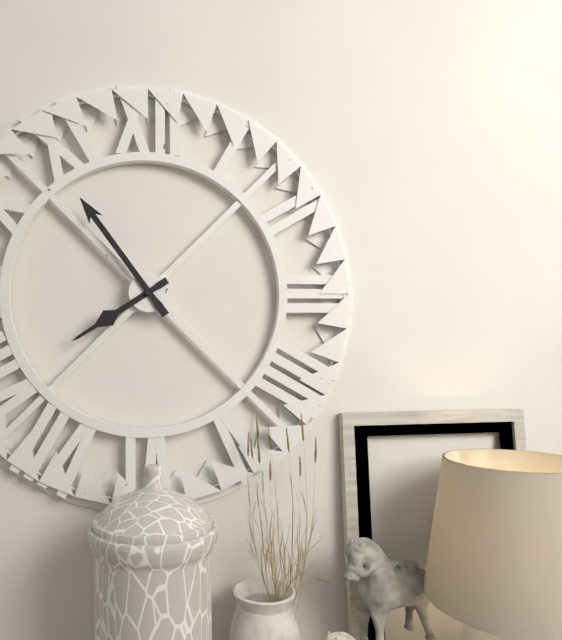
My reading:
{"hour": 7, "minute": 54}
